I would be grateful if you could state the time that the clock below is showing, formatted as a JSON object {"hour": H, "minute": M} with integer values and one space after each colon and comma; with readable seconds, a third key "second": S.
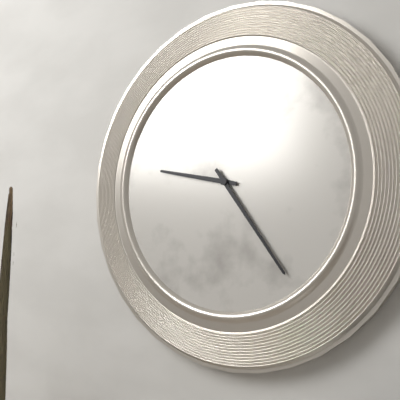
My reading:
{"hour": 9, "minute": 24}
